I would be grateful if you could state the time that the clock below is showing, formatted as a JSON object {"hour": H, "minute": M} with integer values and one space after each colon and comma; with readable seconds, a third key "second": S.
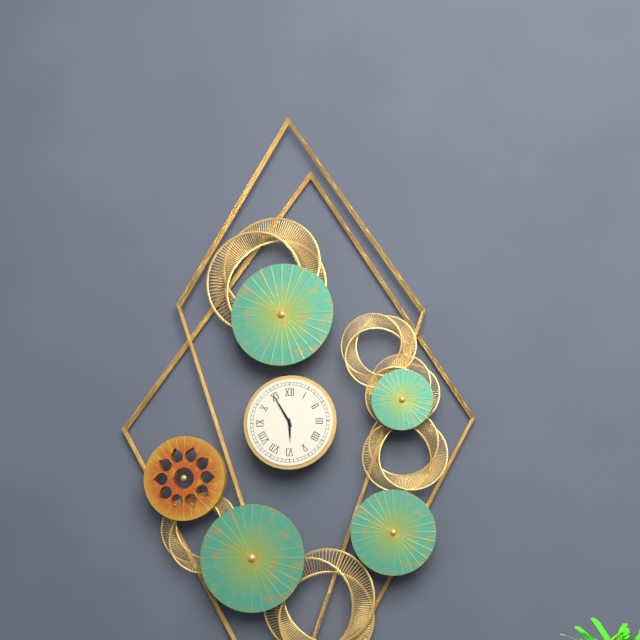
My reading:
{"hour": 5, "minute": 55}
